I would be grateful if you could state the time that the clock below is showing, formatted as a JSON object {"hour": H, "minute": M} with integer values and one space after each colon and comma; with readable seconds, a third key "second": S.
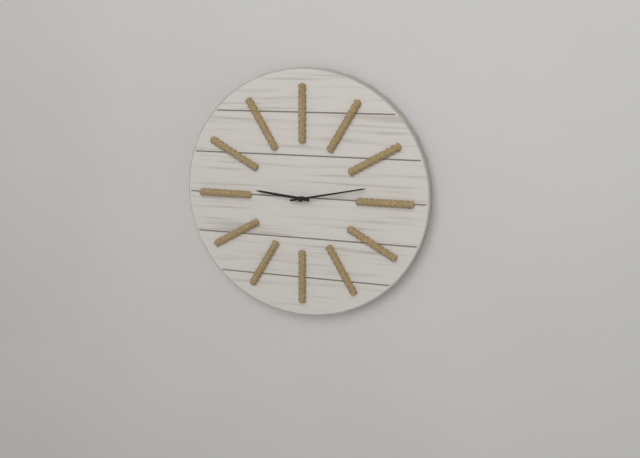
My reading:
{"hour": 9, "minute": 13}
